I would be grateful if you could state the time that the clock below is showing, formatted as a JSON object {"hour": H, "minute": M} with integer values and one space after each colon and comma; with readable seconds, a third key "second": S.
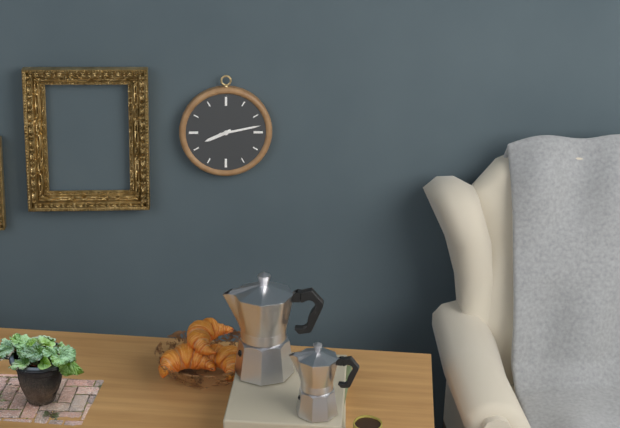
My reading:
{"hour": 8, "minute": 13}
